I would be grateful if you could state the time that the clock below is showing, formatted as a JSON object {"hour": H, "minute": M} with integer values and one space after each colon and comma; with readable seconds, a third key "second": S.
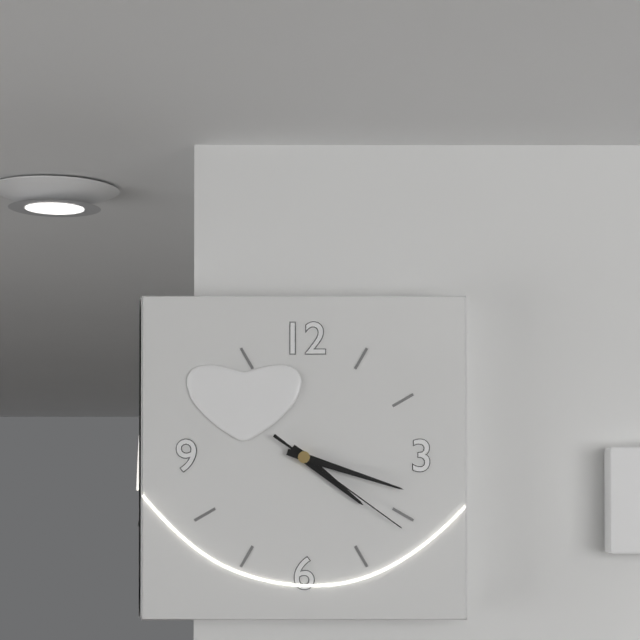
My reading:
{"hour": 4, "minute": 18, "second": 21}
